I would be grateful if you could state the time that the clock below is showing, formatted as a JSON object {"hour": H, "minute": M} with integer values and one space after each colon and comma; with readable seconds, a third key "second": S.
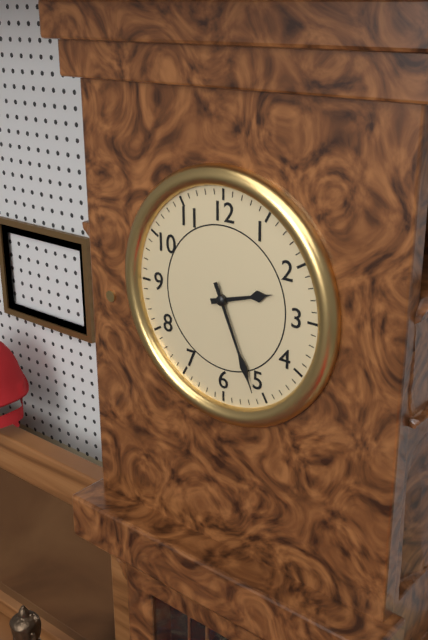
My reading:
{"hour": 2, "minute": 26}
